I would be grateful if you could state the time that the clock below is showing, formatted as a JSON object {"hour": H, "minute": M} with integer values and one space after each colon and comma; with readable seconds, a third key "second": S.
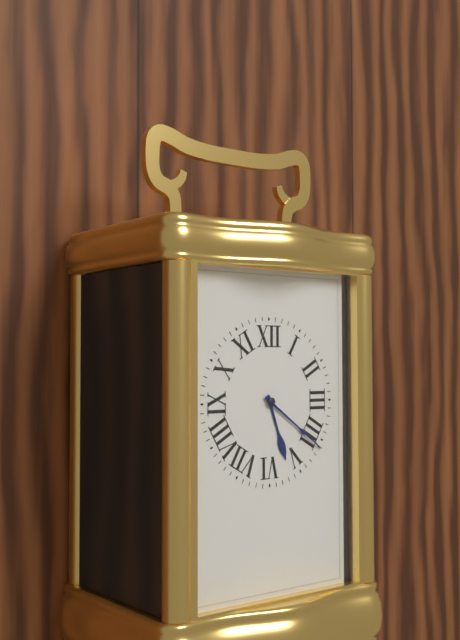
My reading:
{"hour": 5, "minute": 21}
